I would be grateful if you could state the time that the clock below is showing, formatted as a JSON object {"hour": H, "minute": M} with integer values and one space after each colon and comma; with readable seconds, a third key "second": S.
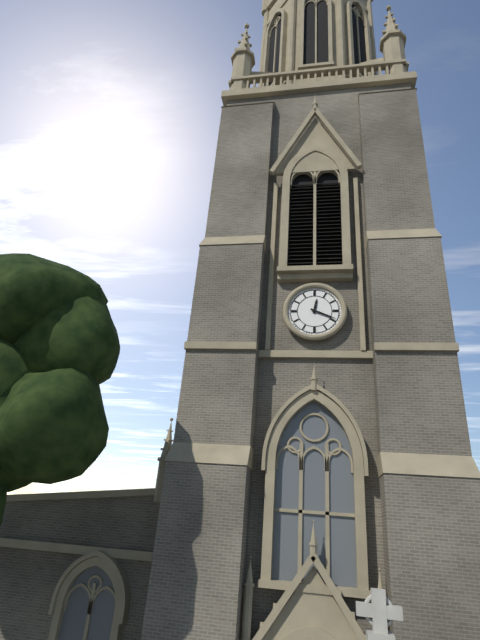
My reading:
{"hour": 12, "minute": 19}
